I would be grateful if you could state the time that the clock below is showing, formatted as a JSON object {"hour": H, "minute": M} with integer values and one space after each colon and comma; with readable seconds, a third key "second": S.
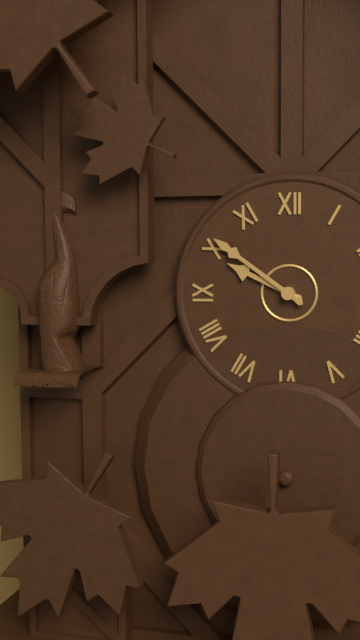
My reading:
{"hour": 9, "minute": 51}
